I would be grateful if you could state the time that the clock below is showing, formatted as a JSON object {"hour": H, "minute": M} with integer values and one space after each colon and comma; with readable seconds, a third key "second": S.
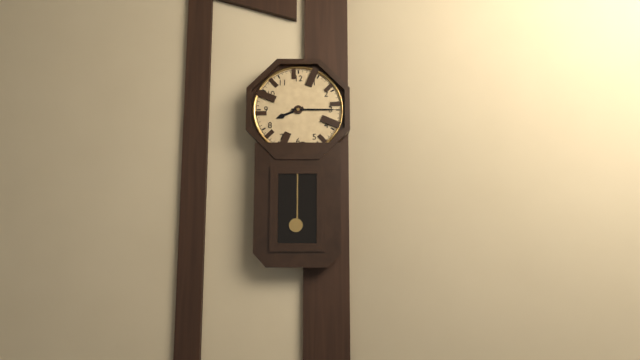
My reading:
{"hour": 8, "minute": 15}
